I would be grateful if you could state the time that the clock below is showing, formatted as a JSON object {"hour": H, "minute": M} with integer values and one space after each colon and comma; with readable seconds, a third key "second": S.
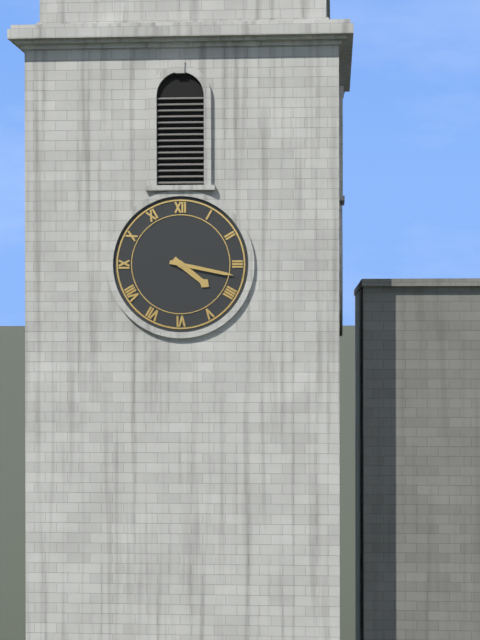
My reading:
{"hour": 4, "minute": 17}
